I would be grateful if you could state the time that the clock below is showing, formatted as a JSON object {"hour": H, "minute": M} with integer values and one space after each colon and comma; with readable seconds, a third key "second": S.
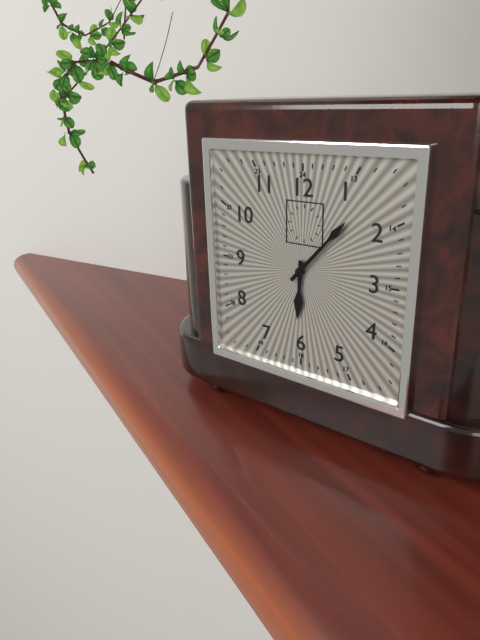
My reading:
{"hour": 6, "minute": 7}
